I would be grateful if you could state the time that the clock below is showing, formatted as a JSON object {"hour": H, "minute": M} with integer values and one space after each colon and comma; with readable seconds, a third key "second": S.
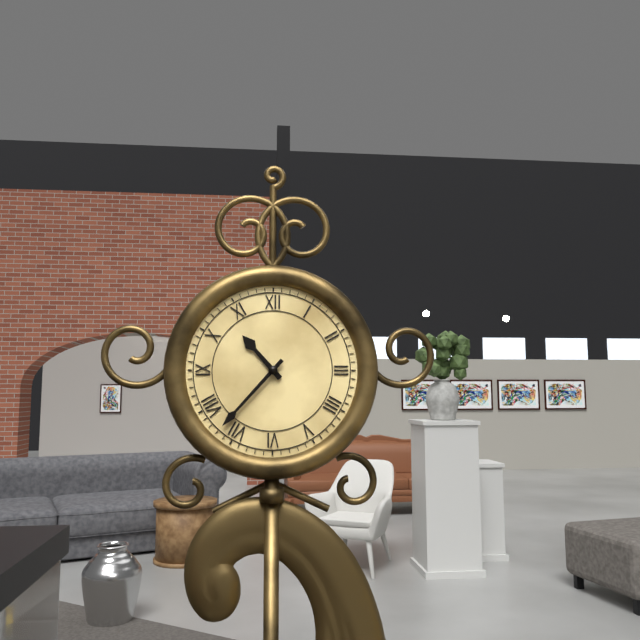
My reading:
{"hour": 10, "minute": 37}
